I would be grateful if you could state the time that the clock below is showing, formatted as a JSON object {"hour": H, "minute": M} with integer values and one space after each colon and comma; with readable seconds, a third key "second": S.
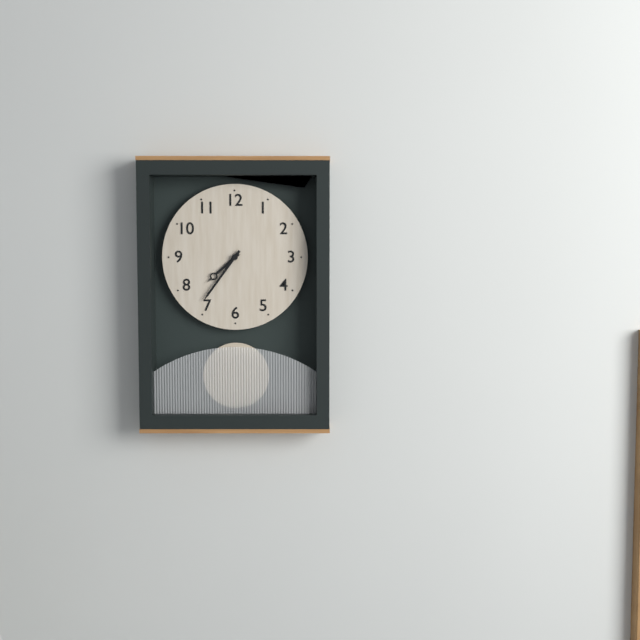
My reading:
{"hour": 7, "minute": 36}
